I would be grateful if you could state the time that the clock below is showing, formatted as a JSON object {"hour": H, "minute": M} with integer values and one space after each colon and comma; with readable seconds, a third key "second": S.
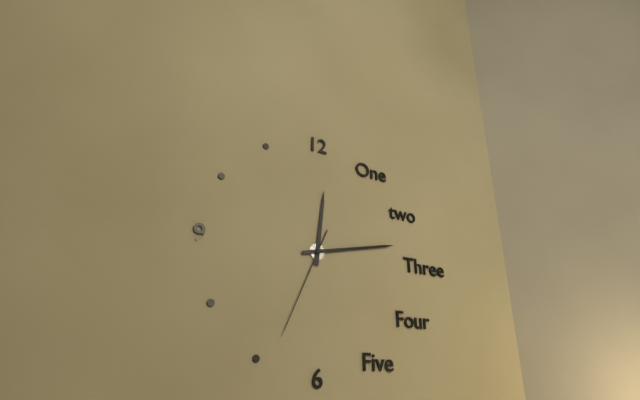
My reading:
{"hour": 12, "minute": 13, "second": 34}
